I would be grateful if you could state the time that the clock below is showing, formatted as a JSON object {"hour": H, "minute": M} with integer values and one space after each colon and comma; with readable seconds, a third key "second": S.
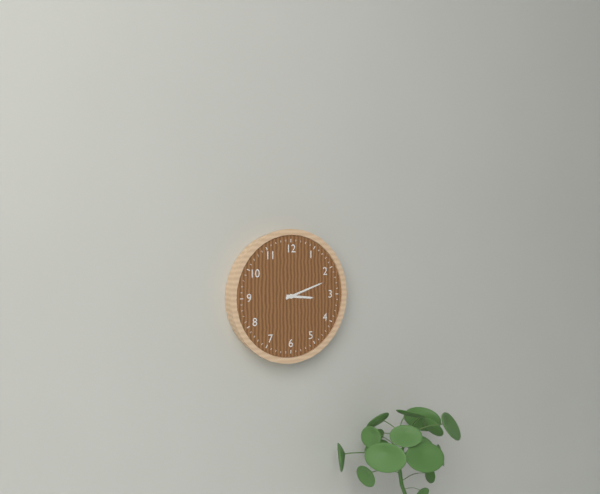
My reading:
{"hour": 3, "minute": 12}
